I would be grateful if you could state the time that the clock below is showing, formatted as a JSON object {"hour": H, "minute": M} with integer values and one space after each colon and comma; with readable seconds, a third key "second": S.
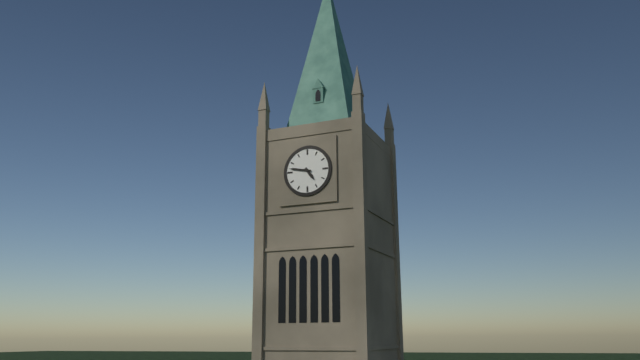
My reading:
{"hour": 4, "minute": 47}
